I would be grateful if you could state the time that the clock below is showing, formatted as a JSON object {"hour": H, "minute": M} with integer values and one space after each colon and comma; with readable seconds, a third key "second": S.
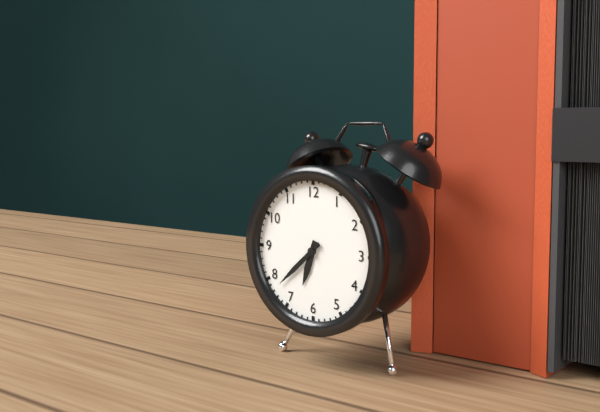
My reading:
{"hour": 6, "minute": 38}
